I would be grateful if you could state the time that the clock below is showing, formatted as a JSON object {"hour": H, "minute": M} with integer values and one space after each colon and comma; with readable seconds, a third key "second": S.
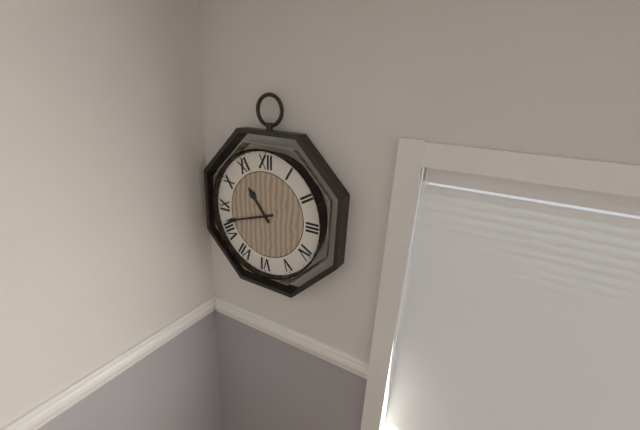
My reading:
{"hour": 10, "minute": 42}
